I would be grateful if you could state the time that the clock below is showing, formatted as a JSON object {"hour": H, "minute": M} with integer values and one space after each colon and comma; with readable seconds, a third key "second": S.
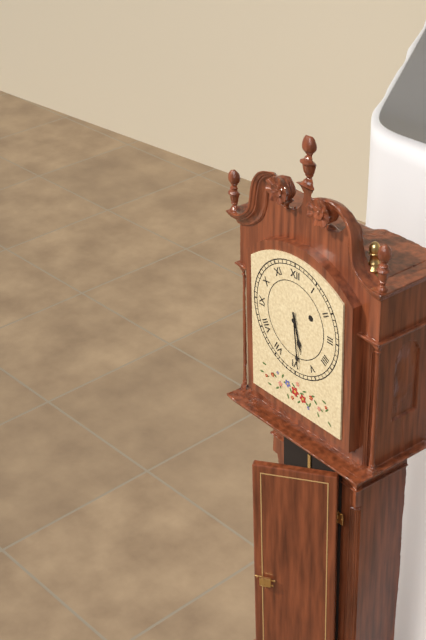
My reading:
{"hour": 5, "minute": 29}
